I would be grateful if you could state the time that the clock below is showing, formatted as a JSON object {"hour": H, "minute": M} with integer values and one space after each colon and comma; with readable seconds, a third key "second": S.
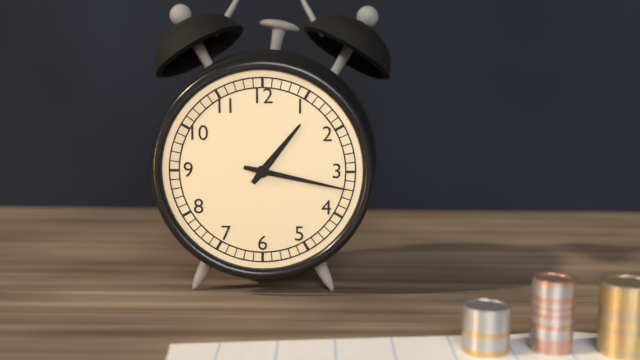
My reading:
{"hour": 1, "minute": 17}
